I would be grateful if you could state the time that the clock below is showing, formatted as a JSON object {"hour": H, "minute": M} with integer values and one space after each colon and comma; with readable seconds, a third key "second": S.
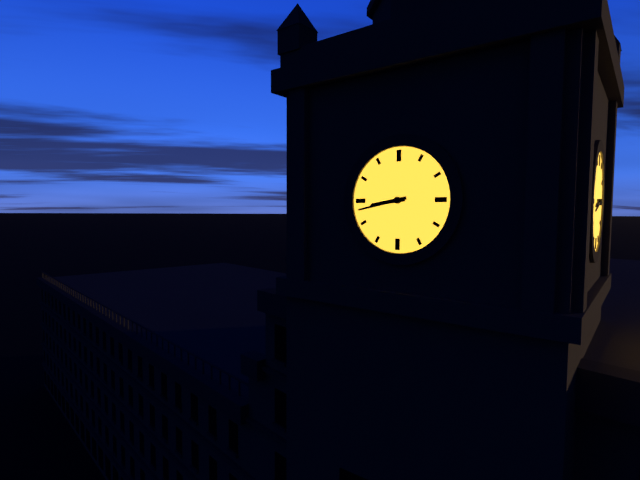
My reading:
{"hour": 8, "minute": 43}
